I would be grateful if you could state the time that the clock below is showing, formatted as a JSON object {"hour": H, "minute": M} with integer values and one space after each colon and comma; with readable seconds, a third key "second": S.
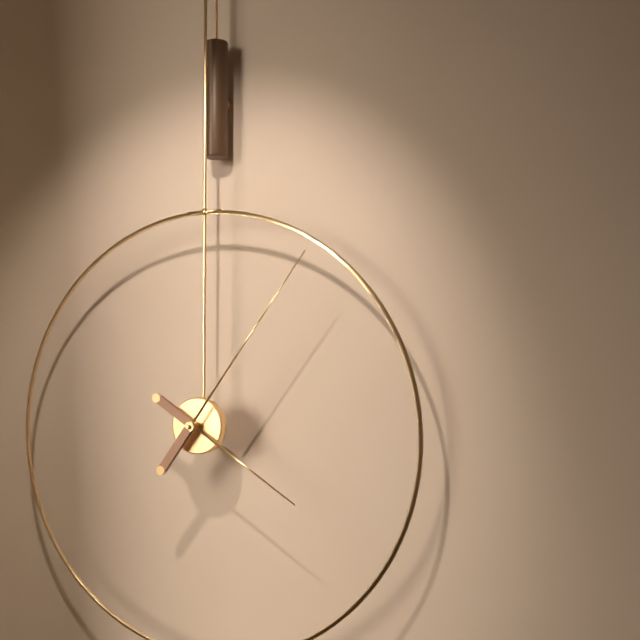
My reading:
{"hour": 4, "minute": 6}
